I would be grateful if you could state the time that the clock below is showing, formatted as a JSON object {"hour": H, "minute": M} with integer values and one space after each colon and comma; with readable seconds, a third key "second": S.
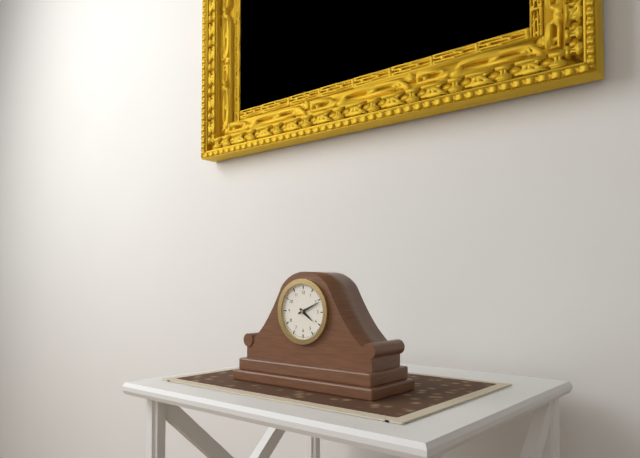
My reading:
{"hour": 4, "minute": 11}
